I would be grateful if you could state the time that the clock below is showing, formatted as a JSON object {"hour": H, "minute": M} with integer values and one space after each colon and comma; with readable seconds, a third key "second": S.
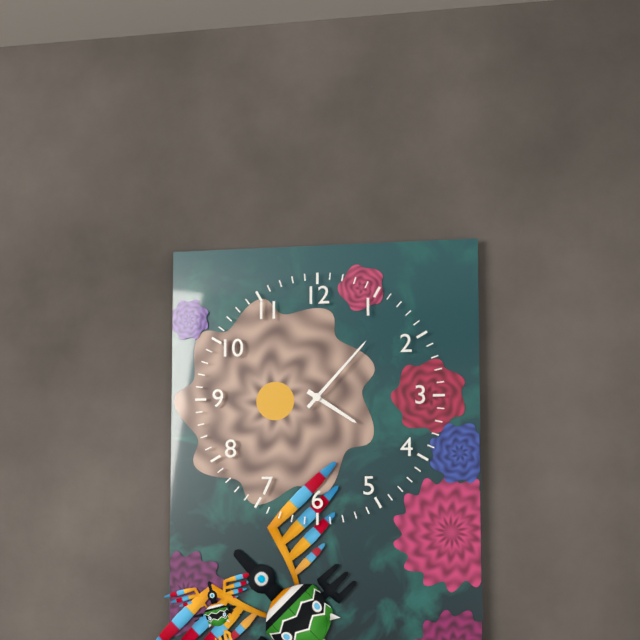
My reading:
{"hour": 4, "minute": 7}
